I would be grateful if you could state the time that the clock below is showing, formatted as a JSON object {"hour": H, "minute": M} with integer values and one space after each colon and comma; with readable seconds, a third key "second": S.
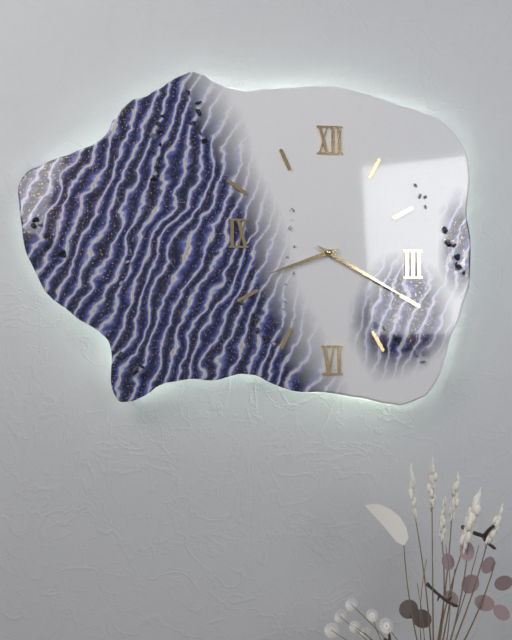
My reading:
{"hour": 8, "minute": 20}
